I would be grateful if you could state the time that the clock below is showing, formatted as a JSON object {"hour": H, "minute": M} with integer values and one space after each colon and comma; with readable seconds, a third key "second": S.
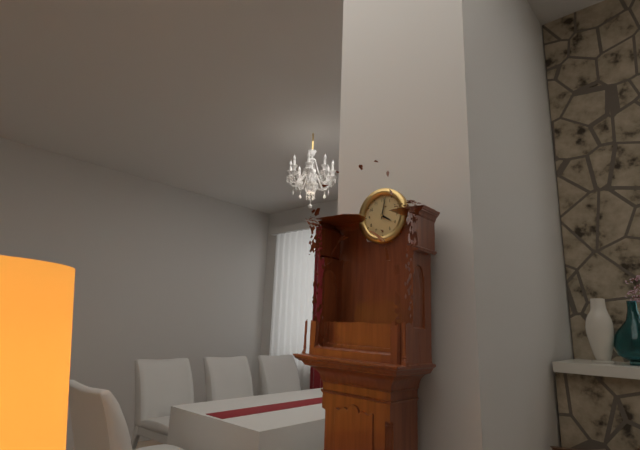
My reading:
{"hour": 4, "minute": 2}
